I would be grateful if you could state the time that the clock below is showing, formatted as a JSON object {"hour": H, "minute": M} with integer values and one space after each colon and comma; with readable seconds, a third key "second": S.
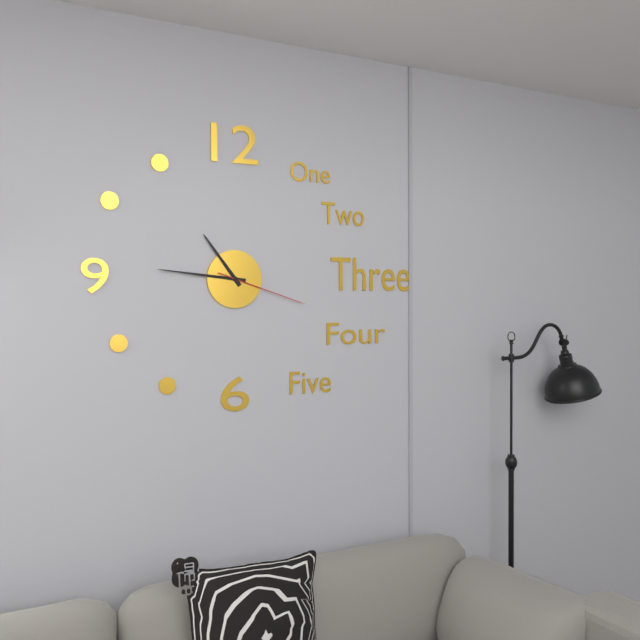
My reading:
{"hour": 10, "minute": 46, "second": 18}
